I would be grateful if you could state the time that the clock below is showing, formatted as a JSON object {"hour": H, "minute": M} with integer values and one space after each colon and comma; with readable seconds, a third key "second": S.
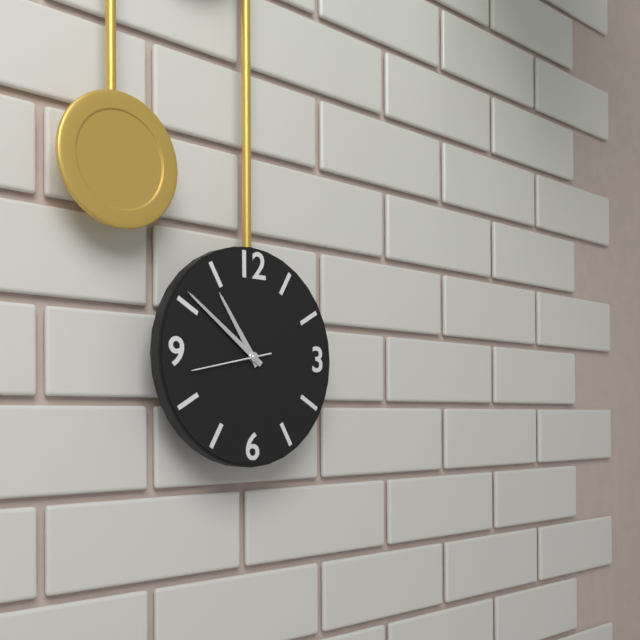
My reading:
{"hour": 10, "minute": 51, "second": 43}
